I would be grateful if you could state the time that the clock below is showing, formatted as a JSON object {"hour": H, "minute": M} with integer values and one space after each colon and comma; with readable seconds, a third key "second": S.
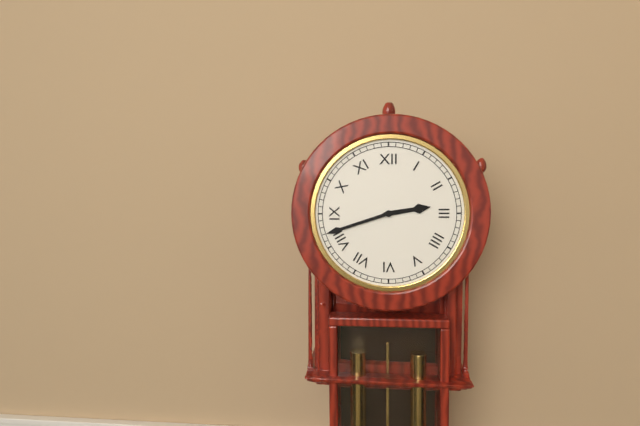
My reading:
{"hour": 2, "minute": 42}
